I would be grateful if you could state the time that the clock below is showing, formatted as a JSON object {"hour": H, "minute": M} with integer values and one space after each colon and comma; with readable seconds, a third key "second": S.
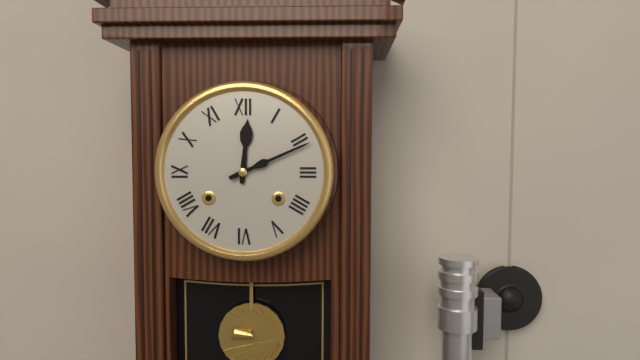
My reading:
{"hour": 12, "minute": 11}
